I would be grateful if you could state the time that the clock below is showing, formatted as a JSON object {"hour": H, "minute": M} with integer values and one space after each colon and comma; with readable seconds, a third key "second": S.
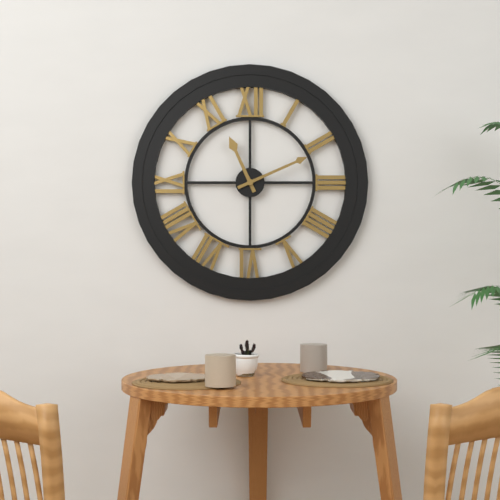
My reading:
{"hour": 11, "minute": 11}
